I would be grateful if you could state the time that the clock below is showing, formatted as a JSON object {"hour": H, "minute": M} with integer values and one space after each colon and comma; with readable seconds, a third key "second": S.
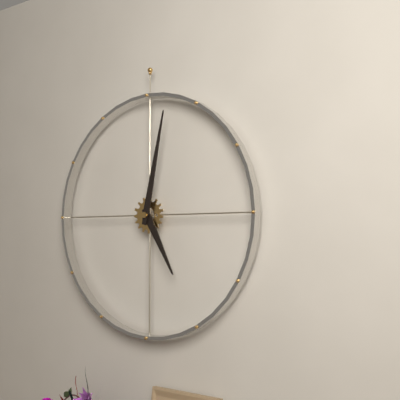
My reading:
{"hour": 5, "minute": 2}
